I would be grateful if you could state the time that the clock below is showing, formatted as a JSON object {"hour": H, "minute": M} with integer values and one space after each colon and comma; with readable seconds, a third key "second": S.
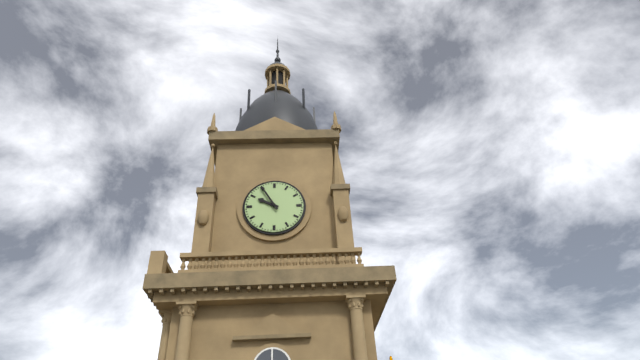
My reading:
{"hour": 9, "minute": 55}
